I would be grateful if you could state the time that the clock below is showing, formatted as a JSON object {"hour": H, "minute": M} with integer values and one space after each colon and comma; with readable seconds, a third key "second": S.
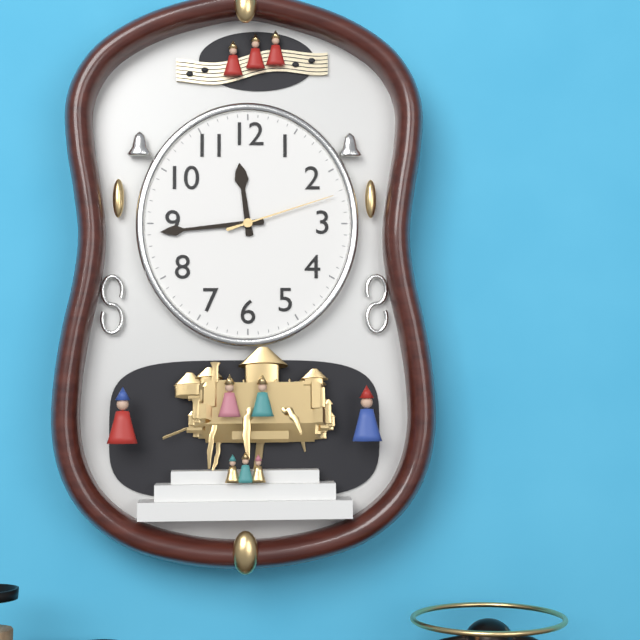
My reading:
{"hour": 11, "minute": 44, "second": 12}
